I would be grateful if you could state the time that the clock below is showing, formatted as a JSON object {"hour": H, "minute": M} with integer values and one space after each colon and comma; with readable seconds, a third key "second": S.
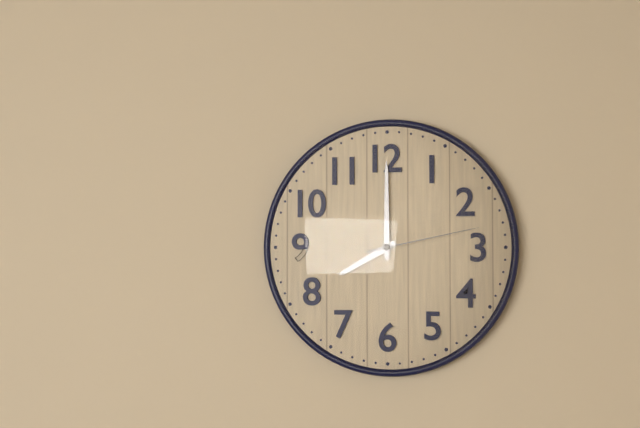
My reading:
{"hour": 8, "minute": 0, "second": 13}
